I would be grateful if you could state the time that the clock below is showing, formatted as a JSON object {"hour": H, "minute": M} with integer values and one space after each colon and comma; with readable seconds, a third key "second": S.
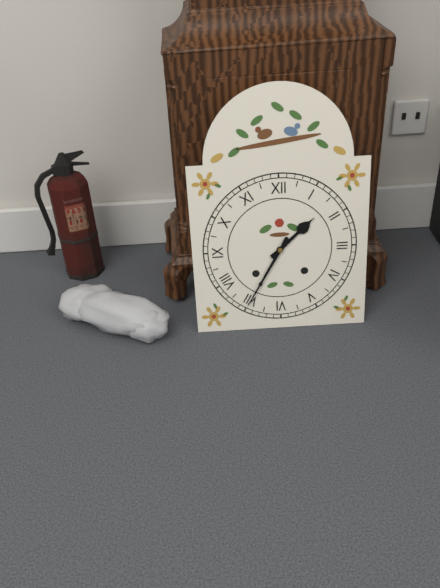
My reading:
{"hour": 1, "minute": 35}
